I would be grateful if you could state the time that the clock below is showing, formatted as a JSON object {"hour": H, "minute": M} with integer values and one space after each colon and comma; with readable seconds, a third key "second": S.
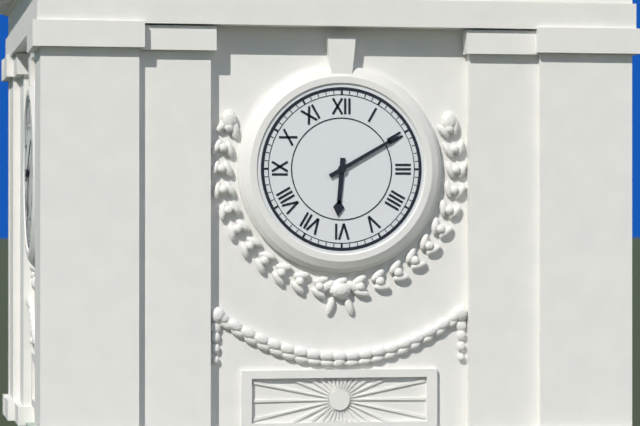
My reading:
{"hour": 6, "minute": 10}
